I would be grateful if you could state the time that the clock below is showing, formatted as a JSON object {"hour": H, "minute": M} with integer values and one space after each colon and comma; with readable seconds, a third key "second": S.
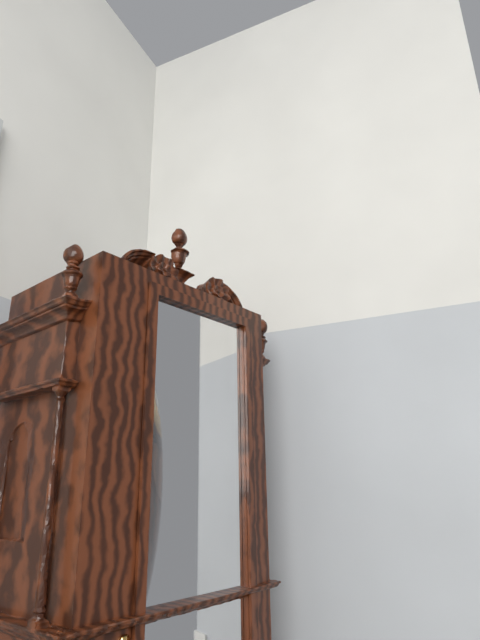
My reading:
{"hour": 3, "minute": 9}
